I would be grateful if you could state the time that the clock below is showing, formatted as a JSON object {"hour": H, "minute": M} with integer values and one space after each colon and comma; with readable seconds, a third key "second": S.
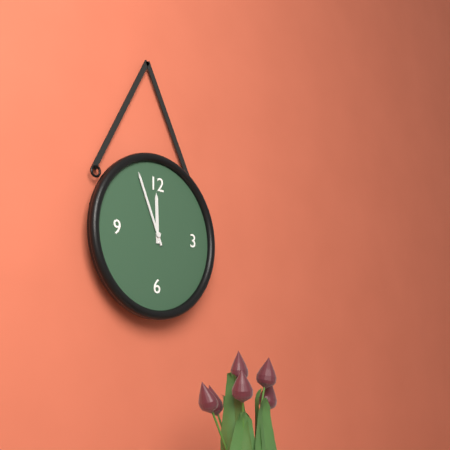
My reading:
{"hour": 11, "minute": 56}
